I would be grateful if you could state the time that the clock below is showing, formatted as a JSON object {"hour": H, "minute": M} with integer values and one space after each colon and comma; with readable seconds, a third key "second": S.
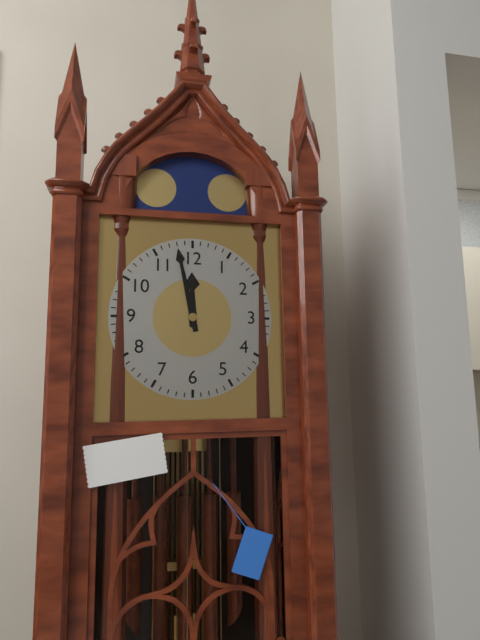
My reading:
{"hour": 11, "minute": 58}
